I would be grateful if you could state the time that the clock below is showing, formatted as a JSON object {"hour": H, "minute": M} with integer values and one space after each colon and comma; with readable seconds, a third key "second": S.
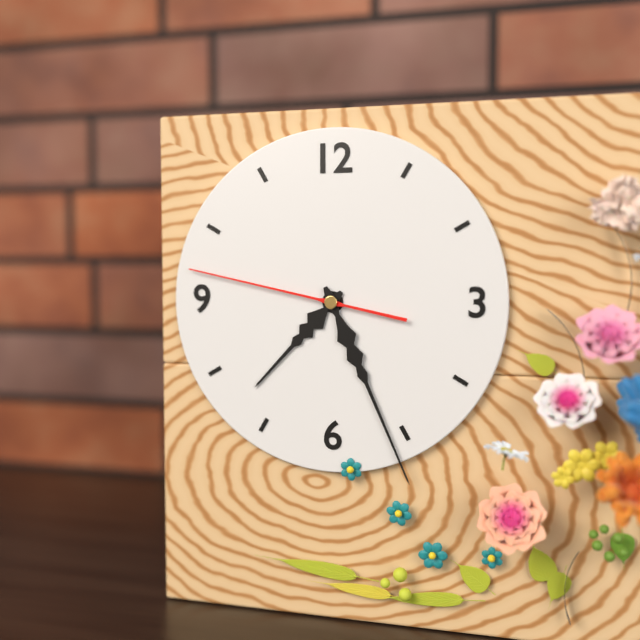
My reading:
{"hour": 7, "minute": 26, "second": 47}
